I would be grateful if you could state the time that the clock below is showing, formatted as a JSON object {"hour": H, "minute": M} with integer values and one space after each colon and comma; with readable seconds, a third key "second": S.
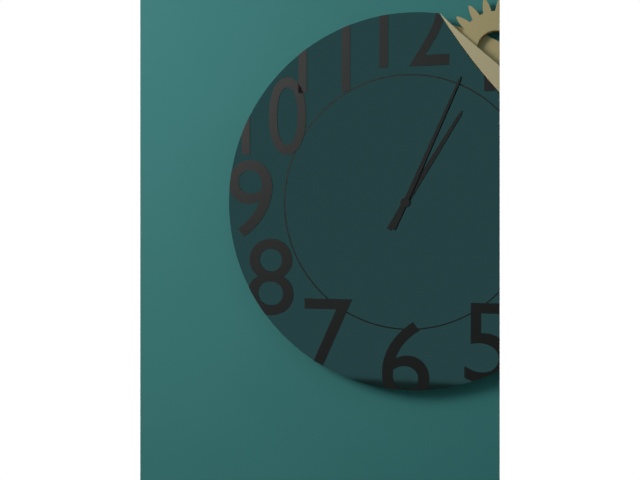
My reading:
{"hour": 1, "minute": 4}
